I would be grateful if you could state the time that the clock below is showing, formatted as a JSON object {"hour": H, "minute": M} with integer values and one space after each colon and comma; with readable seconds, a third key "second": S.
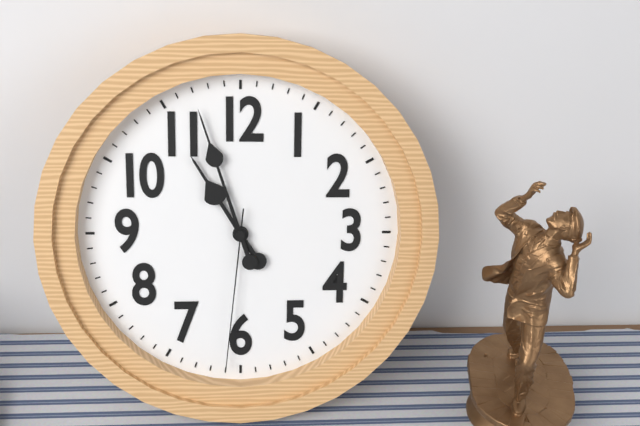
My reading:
{"hour": 10, "minute": 57, "second": 31}
